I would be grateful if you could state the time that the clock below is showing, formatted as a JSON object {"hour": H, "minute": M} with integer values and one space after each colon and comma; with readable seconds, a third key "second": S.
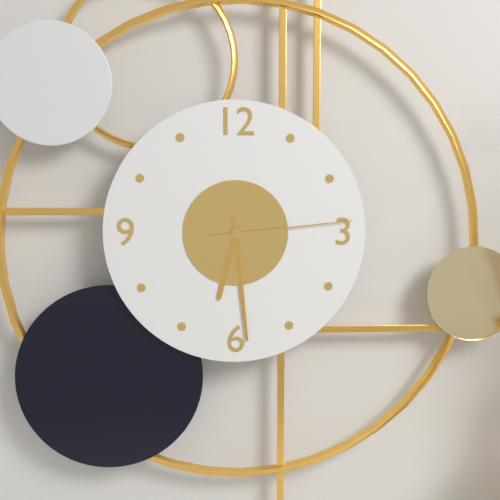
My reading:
{"hour": 6, "minute": 29, "second": 14}
